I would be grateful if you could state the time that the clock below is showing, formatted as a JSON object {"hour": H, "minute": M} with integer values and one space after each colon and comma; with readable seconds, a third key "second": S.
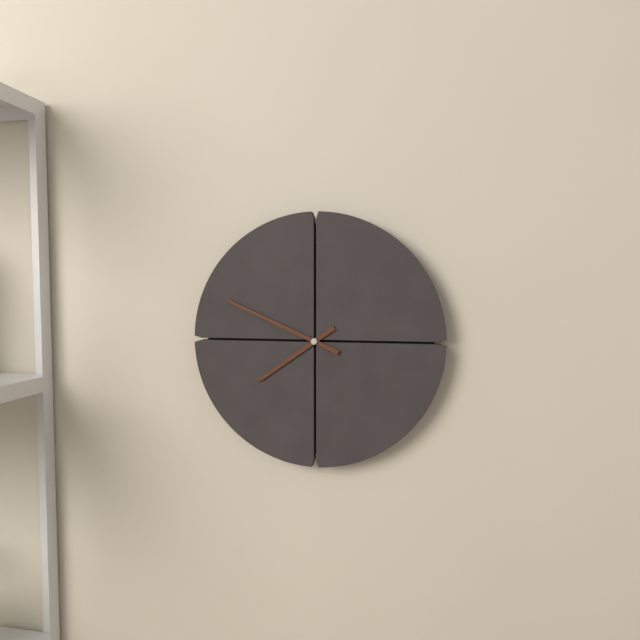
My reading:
{"hour": 7, "minute": 49}
